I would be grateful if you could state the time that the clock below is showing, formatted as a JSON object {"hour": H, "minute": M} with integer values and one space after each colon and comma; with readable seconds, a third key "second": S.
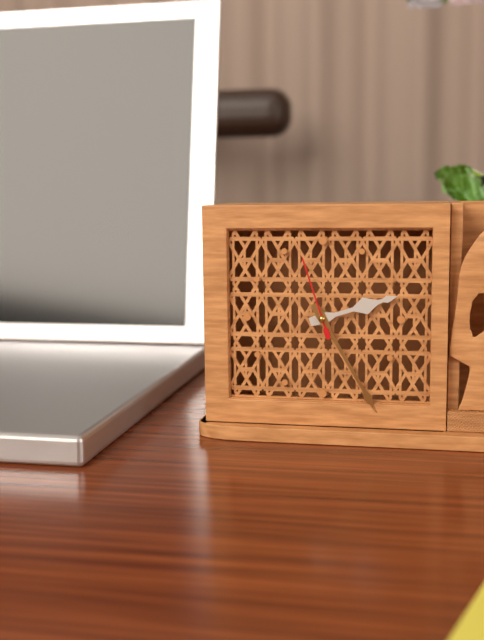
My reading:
{"hour": 2, "minute": 25, "second": 57}
